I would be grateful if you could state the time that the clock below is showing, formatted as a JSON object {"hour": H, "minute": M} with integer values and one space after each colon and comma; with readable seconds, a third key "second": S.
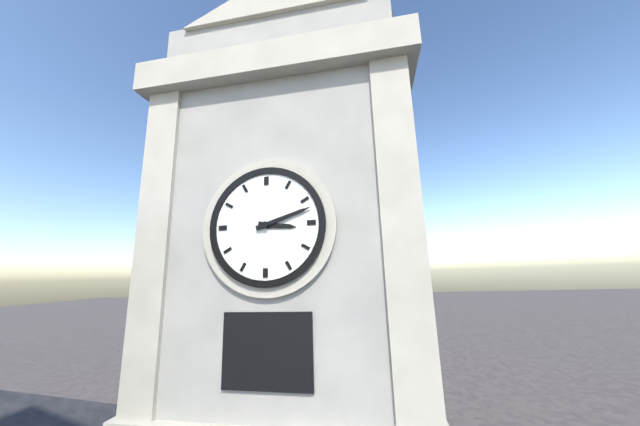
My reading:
{"hour": 3, "minute": 12}
